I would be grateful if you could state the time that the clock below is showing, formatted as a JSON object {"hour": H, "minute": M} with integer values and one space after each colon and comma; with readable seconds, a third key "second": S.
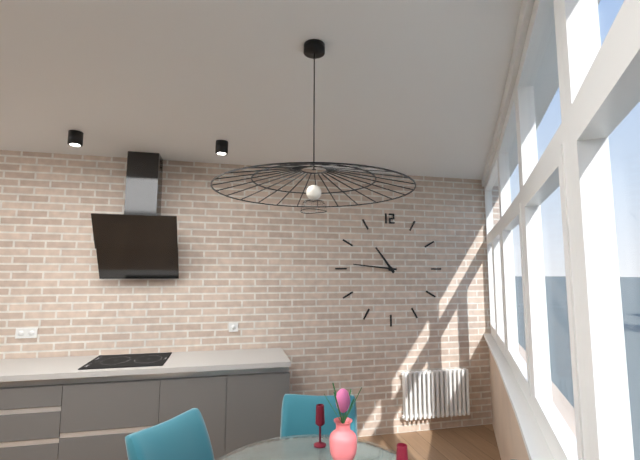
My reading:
{"hour": 10, "minute": 46}
